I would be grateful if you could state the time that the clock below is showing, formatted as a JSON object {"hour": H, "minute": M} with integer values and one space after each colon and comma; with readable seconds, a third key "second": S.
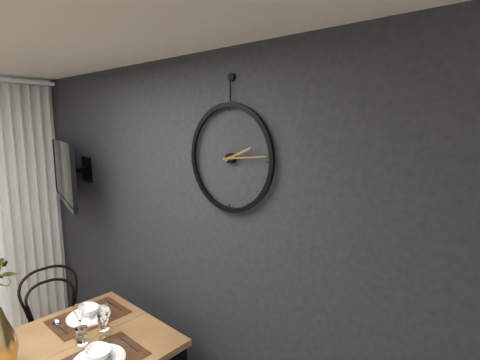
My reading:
{"hour": 2, "minute": 14}
